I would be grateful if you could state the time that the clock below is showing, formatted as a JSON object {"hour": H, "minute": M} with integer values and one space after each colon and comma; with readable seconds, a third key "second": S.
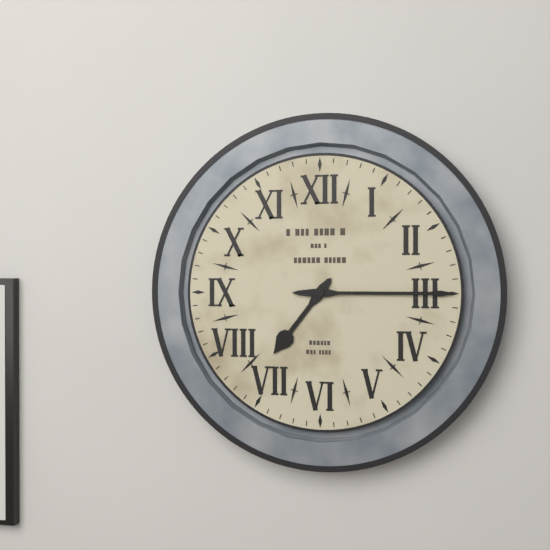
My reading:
{"hour": 7, "minute": 15}
